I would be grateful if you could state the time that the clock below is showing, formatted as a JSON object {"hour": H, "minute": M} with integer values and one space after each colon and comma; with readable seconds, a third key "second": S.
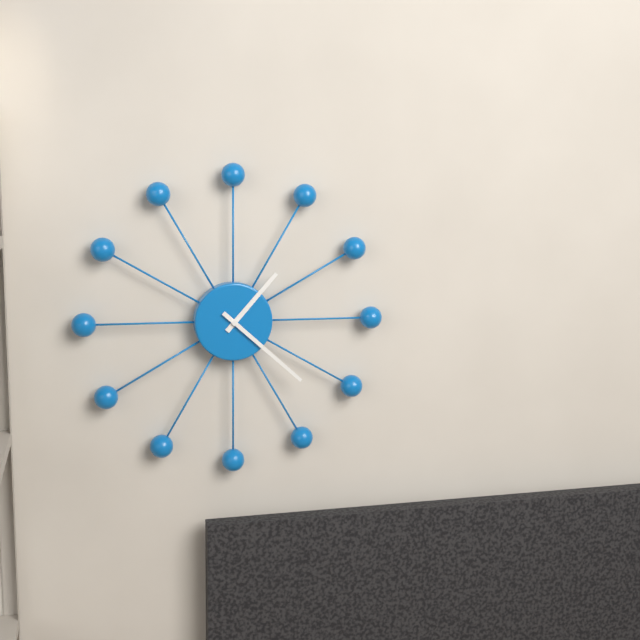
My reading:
{"hour": 1, "minute": 22}
